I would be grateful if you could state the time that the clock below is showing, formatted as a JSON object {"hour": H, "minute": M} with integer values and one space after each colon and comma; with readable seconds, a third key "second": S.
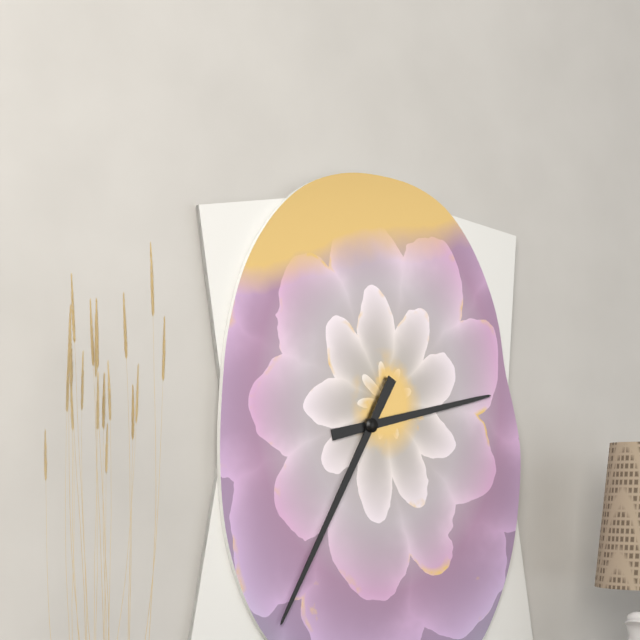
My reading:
{"hour": 2, "minute": 35}
